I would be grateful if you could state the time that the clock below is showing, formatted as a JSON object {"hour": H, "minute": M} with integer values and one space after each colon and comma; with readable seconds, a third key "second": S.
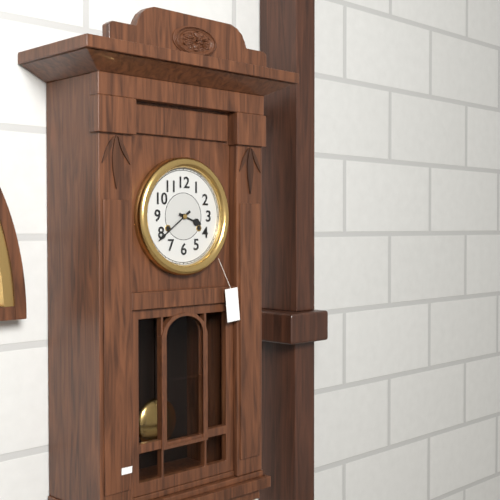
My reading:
{"hour": 3, "minute": 39}
